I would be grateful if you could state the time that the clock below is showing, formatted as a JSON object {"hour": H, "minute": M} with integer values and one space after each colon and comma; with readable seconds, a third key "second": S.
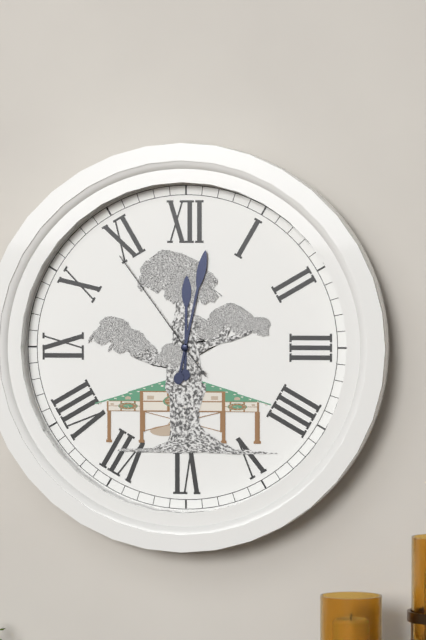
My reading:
{"hour": 12, "minute": 2, "second": 54}
